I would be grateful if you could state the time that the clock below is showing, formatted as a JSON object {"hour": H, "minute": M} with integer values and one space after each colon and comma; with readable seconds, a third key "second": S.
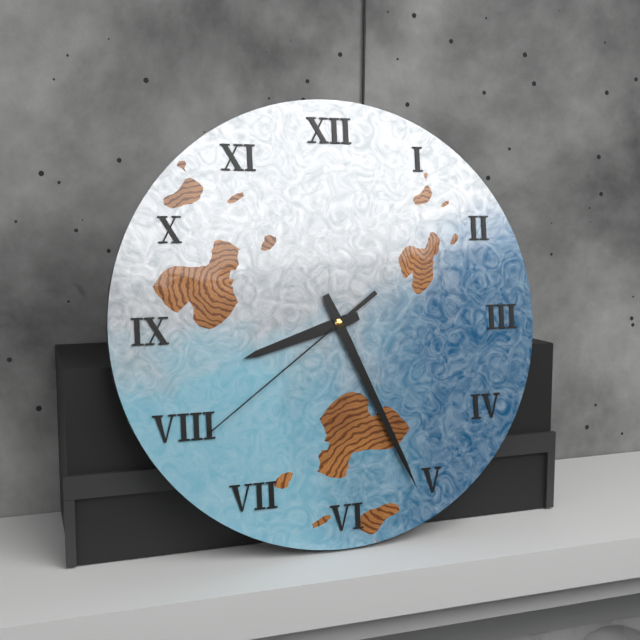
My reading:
{"hour": 8, "minute": 26, "second": 39}
